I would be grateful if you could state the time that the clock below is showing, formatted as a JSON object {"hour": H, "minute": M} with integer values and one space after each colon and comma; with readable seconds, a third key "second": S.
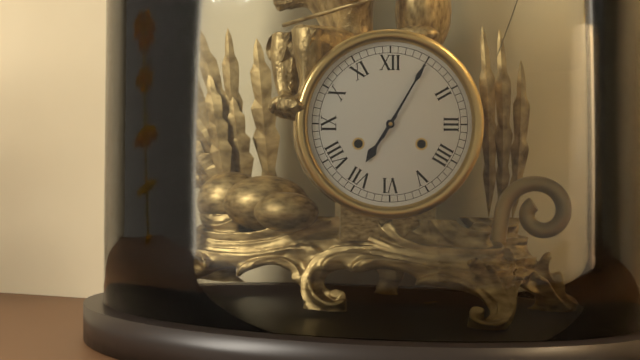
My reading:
{"hour": 7, "minute": 5}
